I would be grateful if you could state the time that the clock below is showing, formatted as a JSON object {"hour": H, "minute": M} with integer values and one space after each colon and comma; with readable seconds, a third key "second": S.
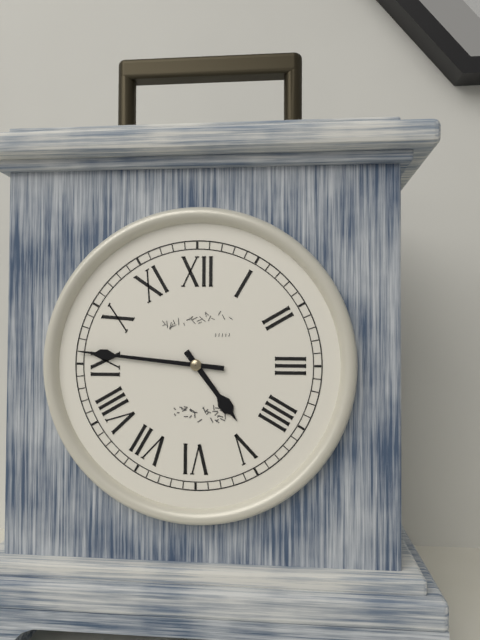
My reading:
{"hour": 4, "minute": 46}
